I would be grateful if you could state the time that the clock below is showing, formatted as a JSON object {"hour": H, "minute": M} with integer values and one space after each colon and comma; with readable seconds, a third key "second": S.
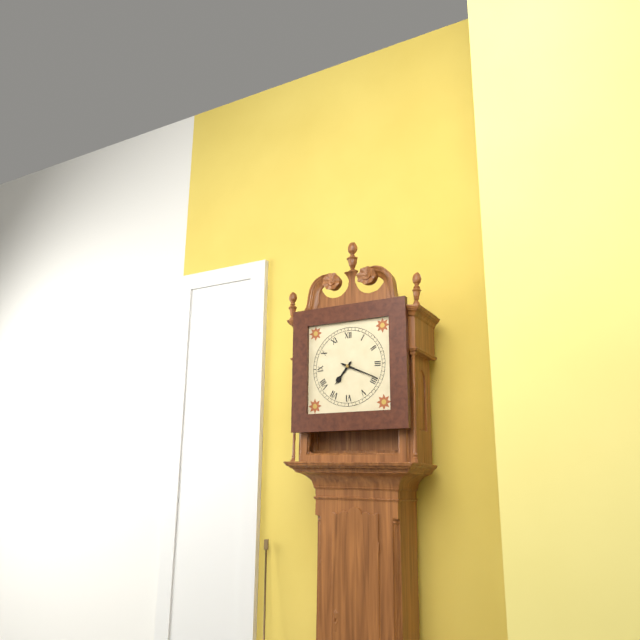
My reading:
{"hour": 7, "minute": 19}
